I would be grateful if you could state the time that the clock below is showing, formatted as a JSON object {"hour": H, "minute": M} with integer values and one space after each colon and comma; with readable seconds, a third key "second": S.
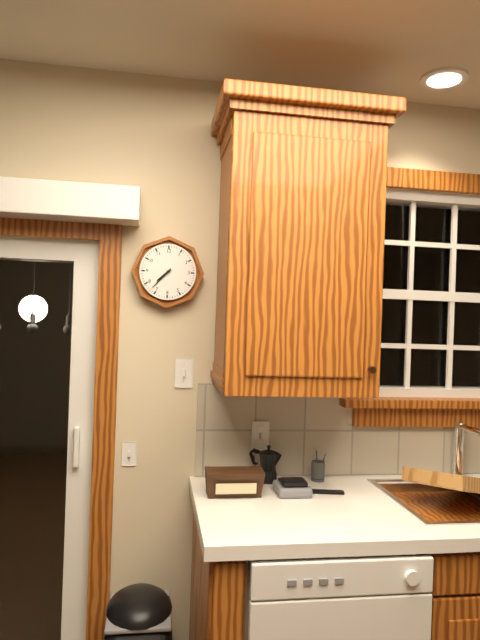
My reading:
{"hour": 7, "minute": 37}
